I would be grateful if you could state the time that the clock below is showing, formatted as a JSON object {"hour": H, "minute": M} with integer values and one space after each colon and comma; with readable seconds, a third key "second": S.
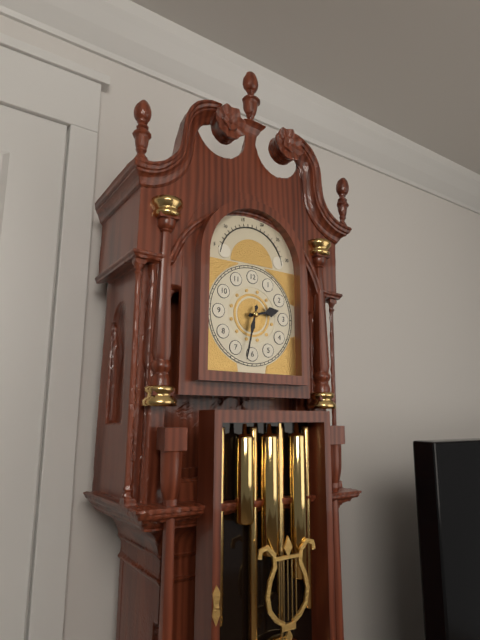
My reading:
{"hour": 2, "minute": 32}
